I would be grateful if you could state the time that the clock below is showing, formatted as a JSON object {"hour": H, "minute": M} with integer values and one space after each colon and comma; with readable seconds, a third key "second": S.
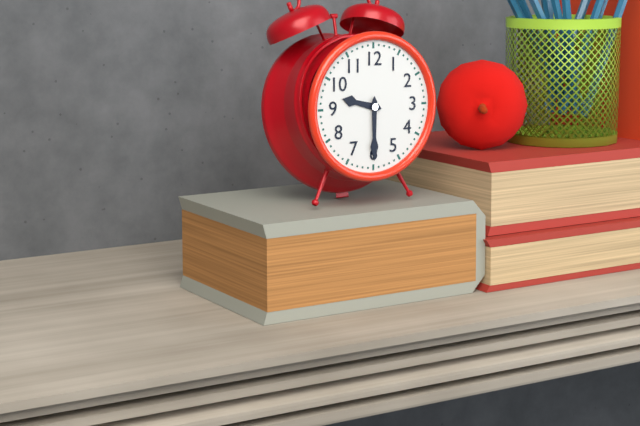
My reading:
{"hour": 9, "minute": 30}
